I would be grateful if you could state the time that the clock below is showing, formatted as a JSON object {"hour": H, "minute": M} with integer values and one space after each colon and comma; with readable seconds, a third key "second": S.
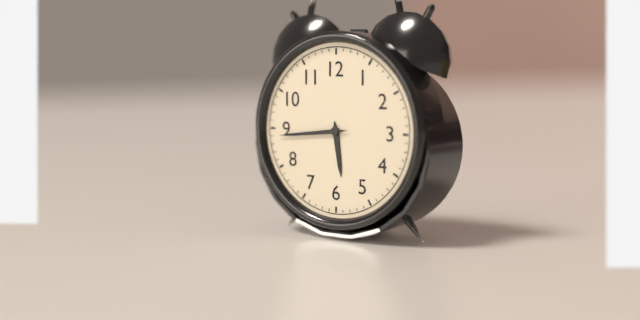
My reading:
{"hour": 5, "minute": 44}
